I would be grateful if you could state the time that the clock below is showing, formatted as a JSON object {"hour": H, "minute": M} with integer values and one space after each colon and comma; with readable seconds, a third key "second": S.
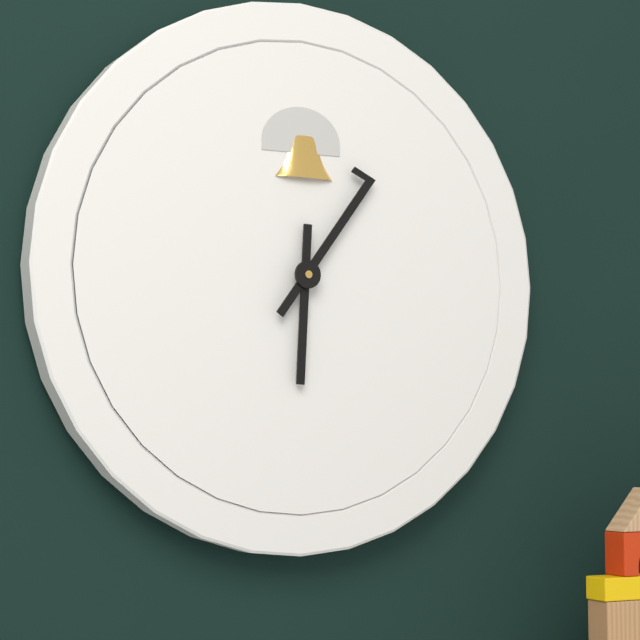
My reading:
{"hour": 6, "minute": 6}
